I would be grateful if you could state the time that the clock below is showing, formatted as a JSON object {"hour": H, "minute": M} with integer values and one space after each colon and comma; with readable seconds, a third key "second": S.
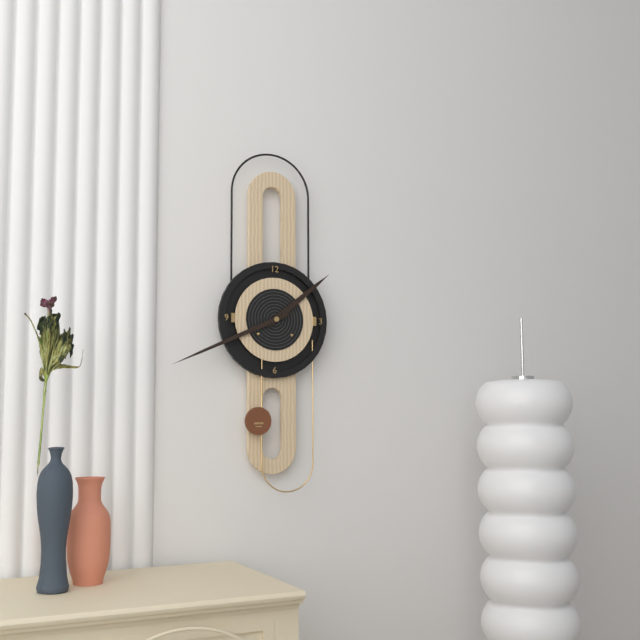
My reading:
{"hour": 1, "minute": 41}
